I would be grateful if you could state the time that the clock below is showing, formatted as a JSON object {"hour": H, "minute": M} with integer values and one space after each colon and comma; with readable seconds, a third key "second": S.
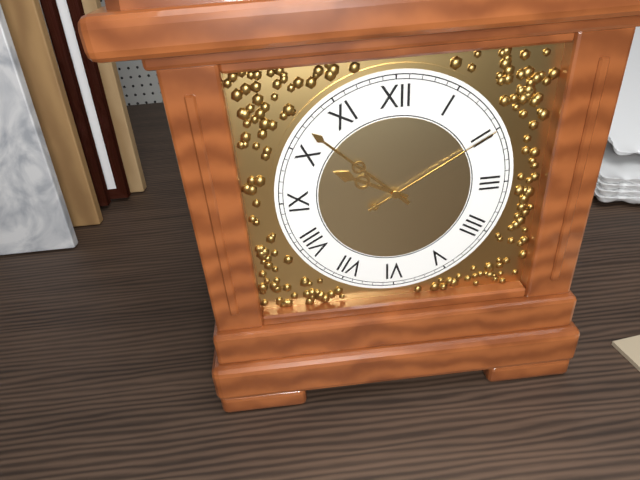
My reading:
{"hour": 9, "minute": 52, "second": 10}
